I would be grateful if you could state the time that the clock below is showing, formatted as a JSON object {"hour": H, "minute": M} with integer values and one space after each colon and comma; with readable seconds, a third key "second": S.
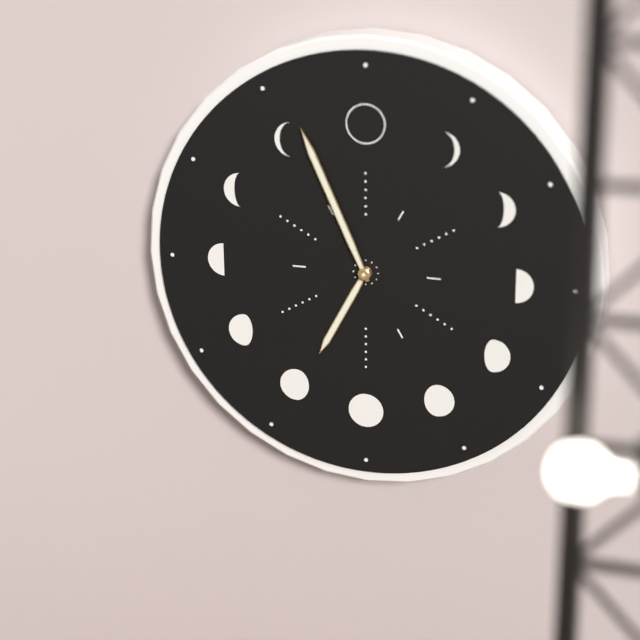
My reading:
{"hour": 6, "minute": 56}
